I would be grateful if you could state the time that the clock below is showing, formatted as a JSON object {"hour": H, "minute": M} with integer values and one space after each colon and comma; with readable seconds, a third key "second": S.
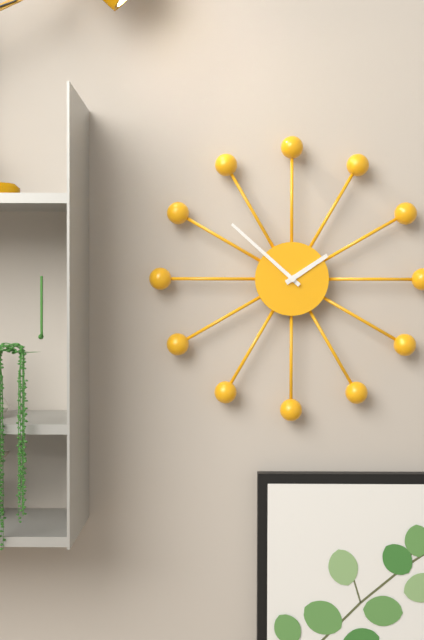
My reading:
{"hour": 1, "minute": 52}
